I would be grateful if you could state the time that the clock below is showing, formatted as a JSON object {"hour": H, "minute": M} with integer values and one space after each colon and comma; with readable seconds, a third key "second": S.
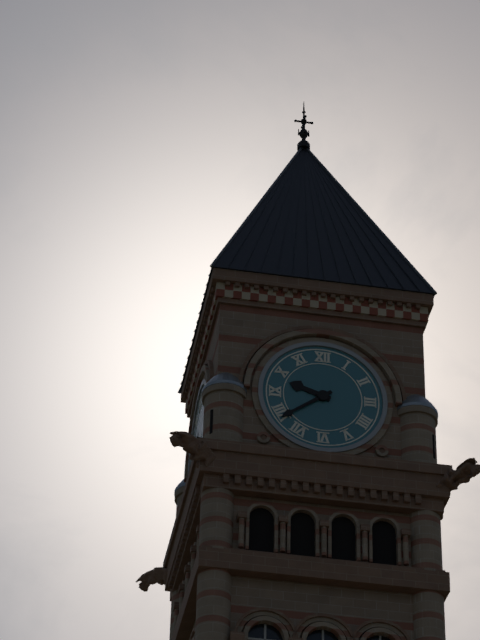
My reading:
{"hour": 9, "minute": 39}
